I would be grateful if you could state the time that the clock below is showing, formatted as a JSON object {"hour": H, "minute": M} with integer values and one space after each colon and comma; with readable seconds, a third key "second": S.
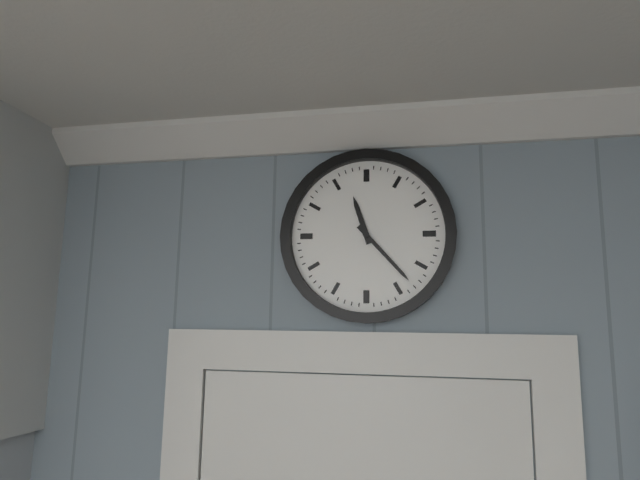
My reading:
{"hour": 11, "minute": 23}
